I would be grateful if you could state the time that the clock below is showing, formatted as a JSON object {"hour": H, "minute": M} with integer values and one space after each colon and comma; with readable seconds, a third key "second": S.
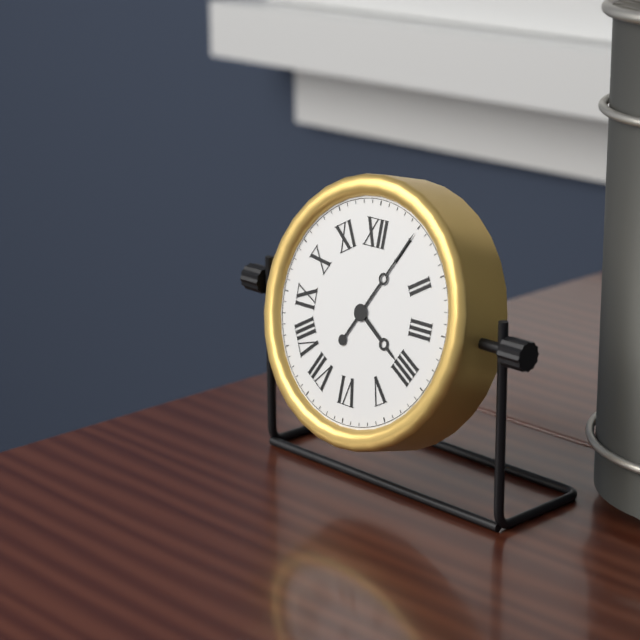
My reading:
{"hour": 4, "minute": 5}
